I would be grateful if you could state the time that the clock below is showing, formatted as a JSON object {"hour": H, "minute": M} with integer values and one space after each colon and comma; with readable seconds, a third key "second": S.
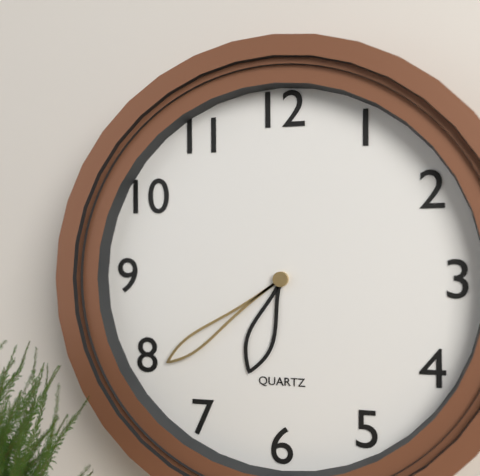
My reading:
{"hour": 6, "minute": 39}
